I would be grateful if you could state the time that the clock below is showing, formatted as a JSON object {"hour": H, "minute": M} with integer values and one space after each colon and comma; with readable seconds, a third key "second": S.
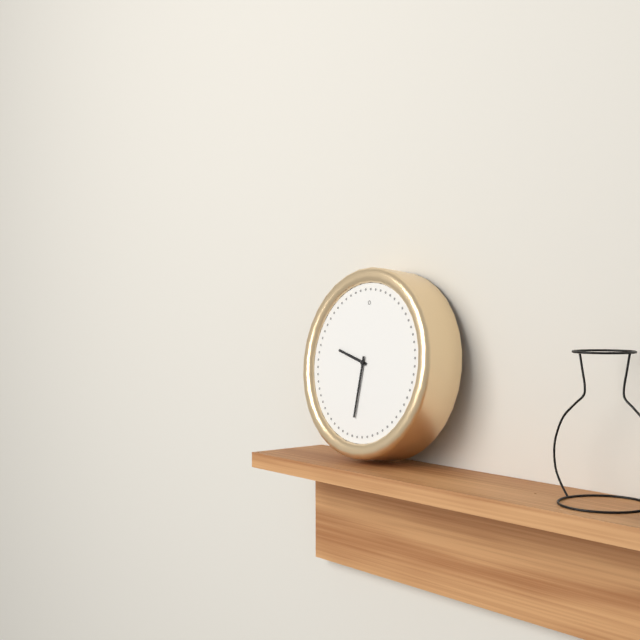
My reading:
{"hour": 9, "minute": 31}
